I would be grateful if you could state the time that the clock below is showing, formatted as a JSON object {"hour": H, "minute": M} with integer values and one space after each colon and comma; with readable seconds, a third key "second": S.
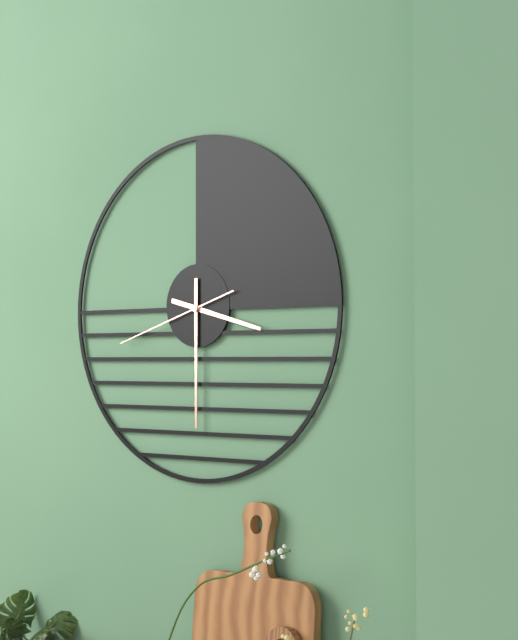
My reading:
{"hour": 3, "minute": 30, "second": 42}
